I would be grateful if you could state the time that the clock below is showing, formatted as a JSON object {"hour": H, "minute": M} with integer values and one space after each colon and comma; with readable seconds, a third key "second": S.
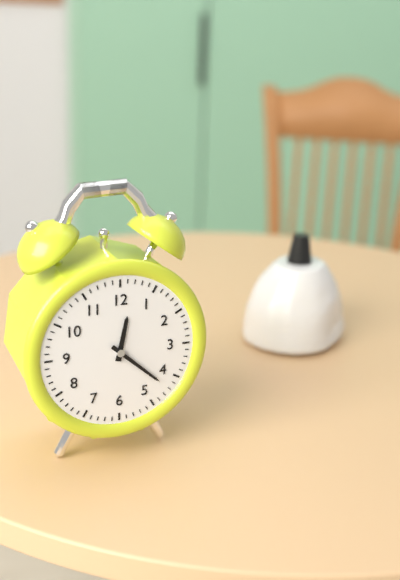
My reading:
{"hour": 12, "minute": 22}
